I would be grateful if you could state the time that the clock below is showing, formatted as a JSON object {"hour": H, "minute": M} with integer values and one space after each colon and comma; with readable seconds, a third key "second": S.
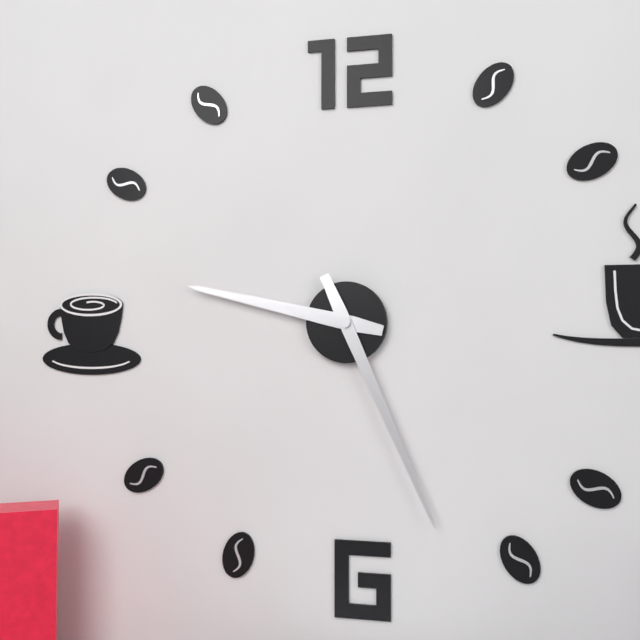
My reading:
{"hour": 9, "minute": 26}
